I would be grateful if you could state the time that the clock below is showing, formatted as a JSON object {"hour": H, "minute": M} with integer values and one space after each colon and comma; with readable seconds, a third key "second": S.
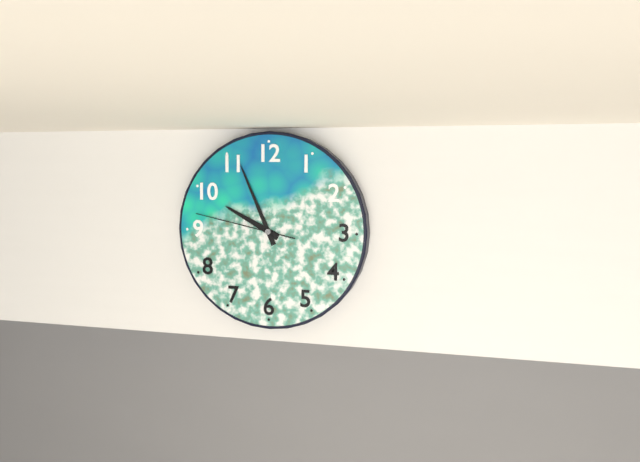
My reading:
{"hour": 9, "minute": 56, "second": 47}
